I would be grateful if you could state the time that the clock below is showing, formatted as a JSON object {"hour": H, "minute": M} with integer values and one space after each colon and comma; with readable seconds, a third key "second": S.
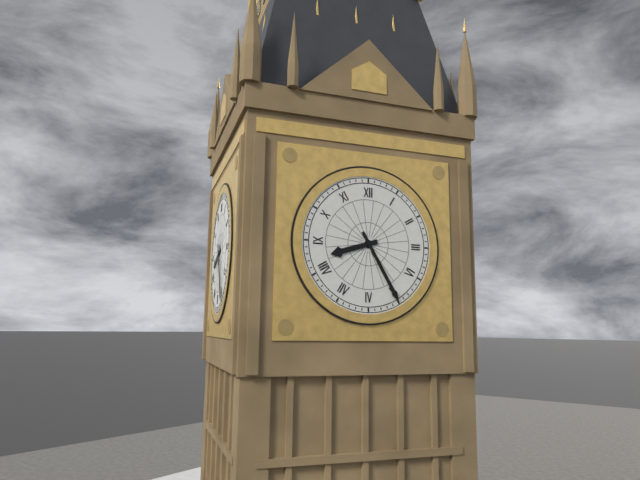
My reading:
{"hour": 8, "minute": 25}
